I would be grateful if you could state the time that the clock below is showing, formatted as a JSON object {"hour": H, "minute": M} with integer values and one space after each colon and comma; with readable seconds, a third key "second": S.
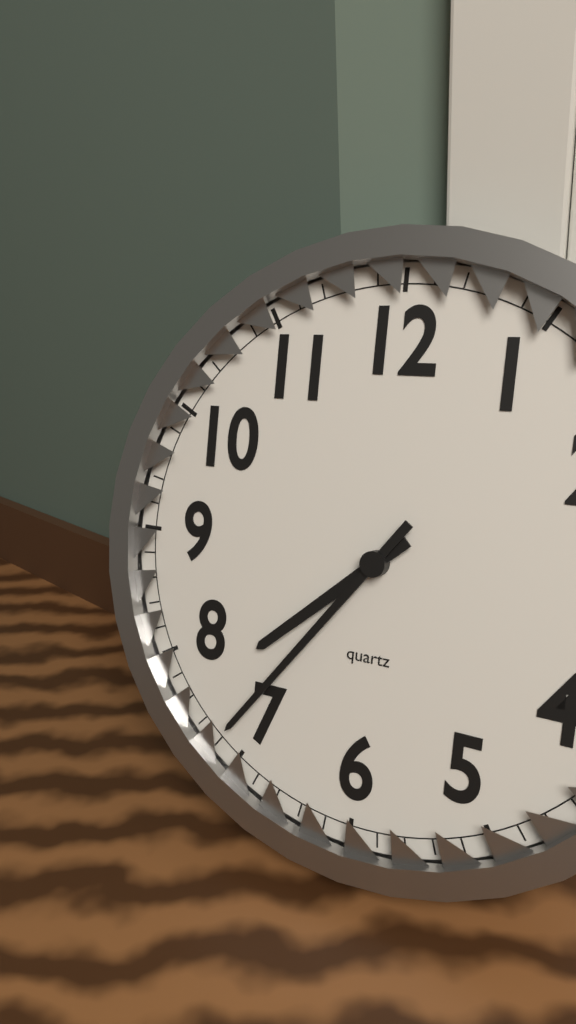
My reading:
{"hour": 7, "minute": 36}
